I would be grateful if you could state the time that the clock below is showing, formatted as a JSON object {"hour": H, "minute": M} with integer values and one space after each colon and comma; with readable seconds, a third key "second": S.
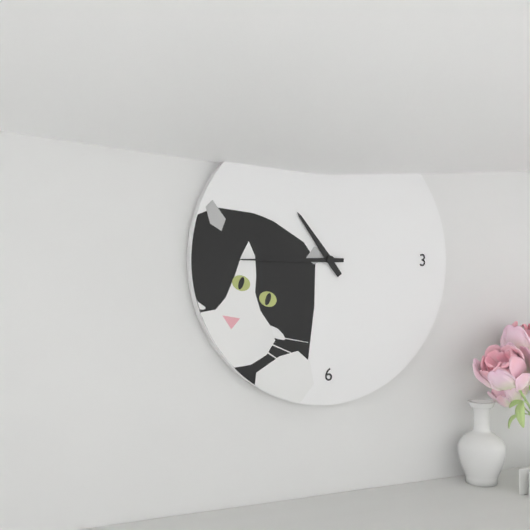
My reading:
{"hour": 10, "minute": 45}
